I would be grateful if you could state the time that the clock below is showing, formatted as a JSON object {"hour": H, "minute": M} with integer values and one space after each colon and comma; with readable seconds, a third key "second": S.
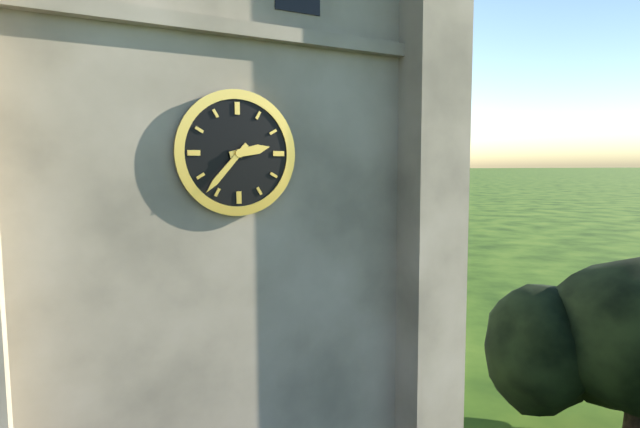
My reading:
{"hour": 2, "minute": 37}
